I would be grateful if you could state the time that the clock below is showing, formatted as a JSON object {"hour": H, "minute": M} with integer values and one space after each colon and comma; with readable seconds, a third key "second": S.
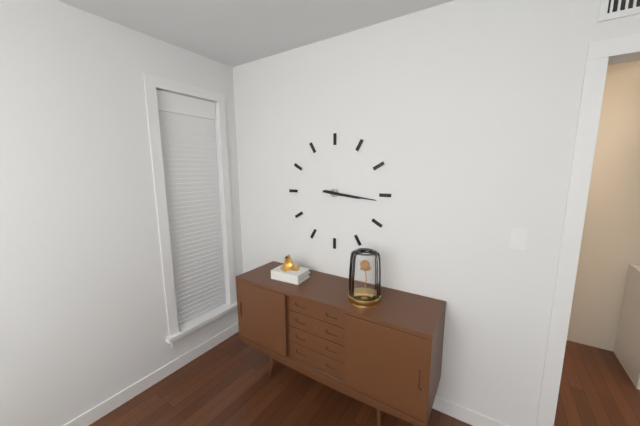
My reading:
{"hour": 3, "minute": 16}
